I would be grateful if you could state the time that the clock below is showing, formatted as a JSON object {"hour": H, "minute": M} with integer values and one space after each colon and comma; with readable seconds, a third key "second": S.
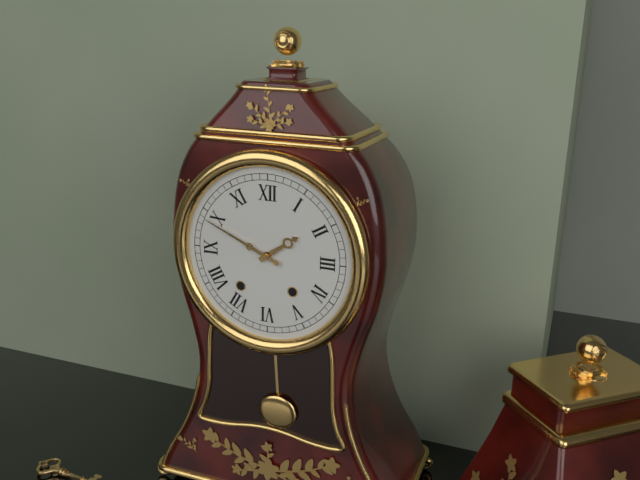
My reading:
{"hour": 1, "minute": 49}
